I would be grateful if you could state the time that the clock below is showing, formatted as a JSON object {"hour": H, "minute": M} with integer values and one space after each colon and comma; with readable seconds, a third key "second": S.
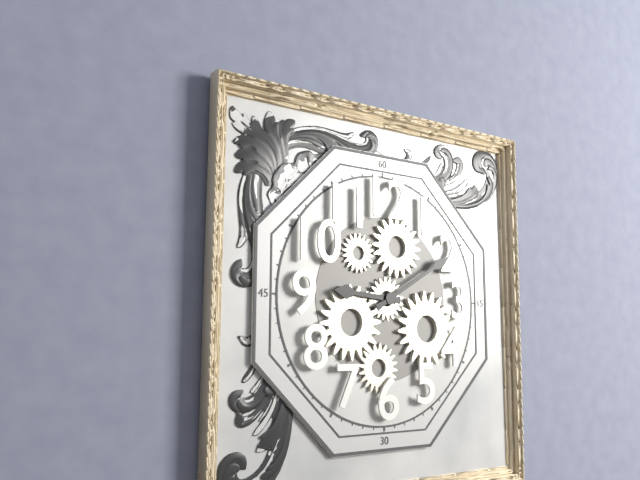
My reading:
{"hour": 9, "minute": 10}
